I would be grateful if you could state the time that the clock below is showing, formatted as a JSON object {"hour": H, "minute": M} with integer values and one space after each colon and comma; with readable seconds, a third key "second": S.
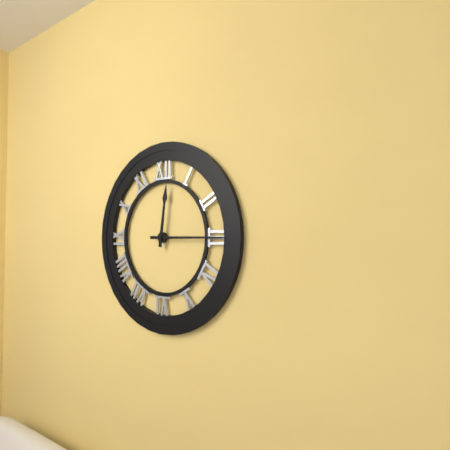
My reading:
{"hour": 12, "minute": 15}
